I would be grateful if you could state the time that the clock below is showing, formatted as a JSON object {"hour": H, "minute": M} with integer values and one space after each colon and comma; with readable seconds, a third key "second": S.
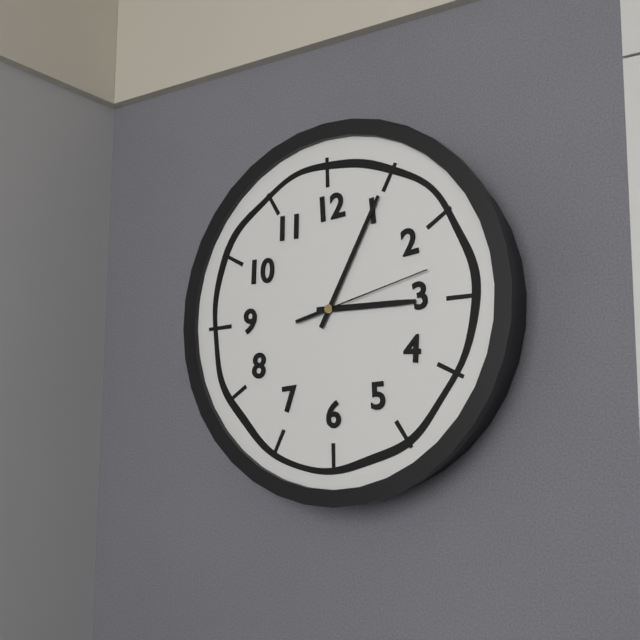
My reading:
{"hour": 3, "minute": 5, "second": 13}
